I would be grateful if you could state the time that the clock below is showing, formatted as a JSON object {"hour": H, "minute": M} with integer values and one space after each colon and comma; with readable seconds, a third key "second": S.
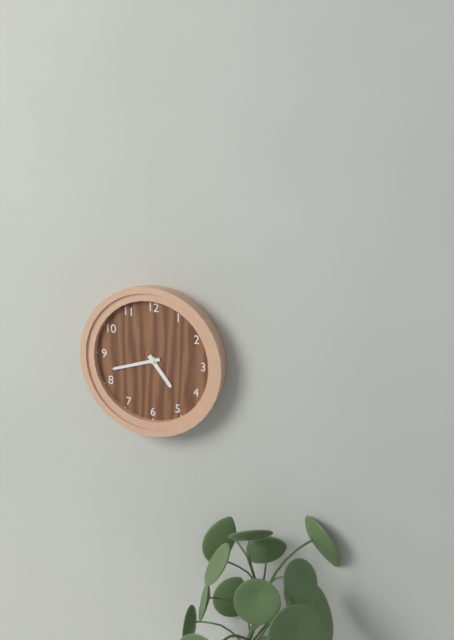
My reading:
{"hour": 4, "minute": 42}
